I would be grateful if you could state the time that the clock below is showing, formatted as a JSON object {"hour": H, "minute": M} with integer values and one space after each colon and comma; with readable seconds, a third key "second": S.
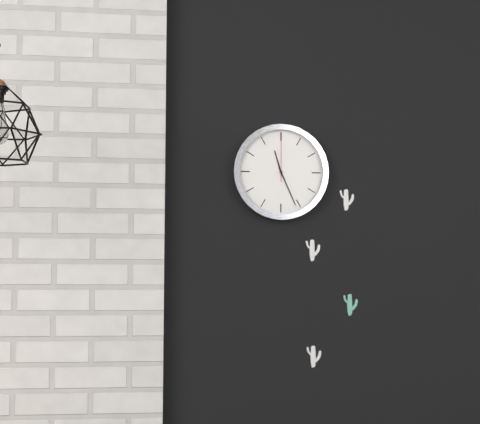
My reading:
{"hour": 11, "minute": 26}
